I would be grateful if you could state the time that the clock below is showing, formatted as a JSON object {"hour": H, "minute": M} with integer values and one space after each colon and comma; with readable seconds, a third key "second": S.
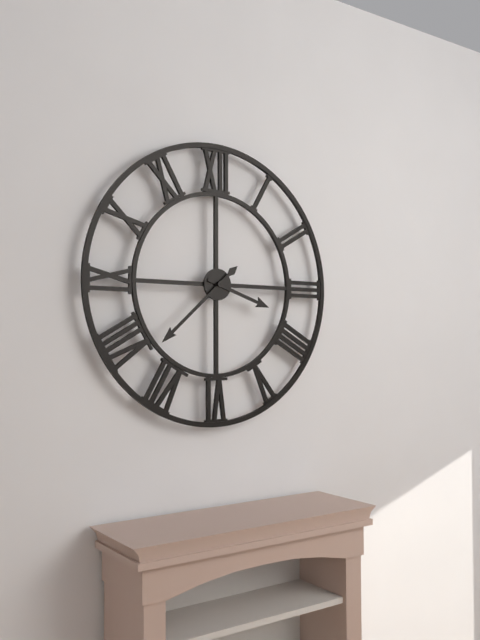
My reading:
{"hour": 3, "minute": 38}
